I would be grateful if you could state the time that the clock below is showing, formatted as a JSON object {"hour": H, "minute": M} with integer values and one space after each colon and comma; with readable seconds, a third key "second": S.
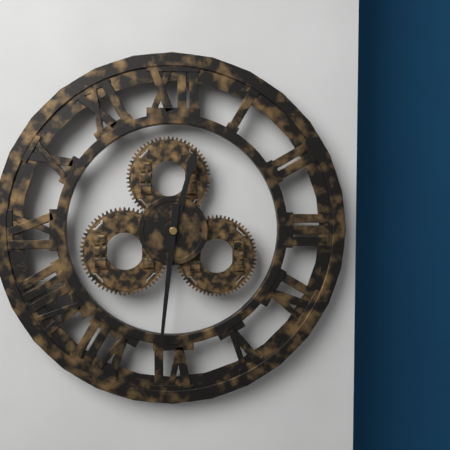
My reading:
{"hour": 12, "minute": 31}
